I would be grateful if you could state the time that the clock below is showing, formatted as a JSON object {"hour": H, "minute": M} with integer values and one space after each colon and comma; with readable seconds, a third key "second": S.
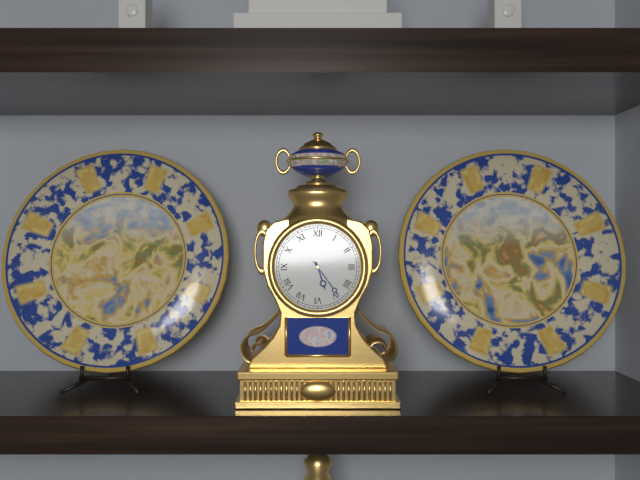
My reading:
{"hour": 5, "minute": 24}
